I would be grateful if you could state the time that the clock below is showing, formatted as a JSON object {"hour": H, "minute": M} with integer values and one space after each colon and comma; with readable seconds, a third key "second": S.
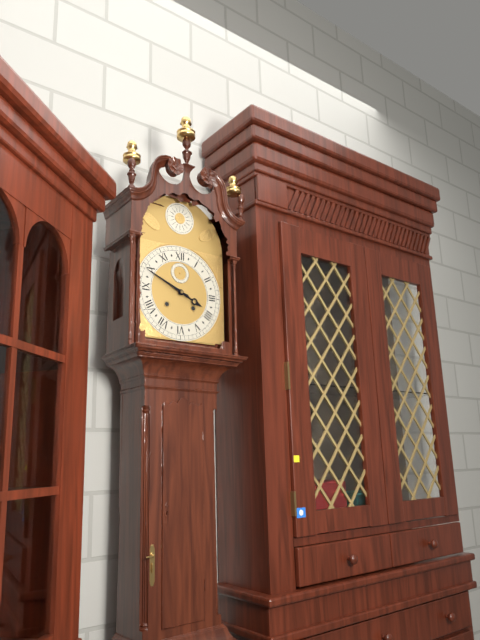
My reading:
{"hour": 3, "minute": 49}
